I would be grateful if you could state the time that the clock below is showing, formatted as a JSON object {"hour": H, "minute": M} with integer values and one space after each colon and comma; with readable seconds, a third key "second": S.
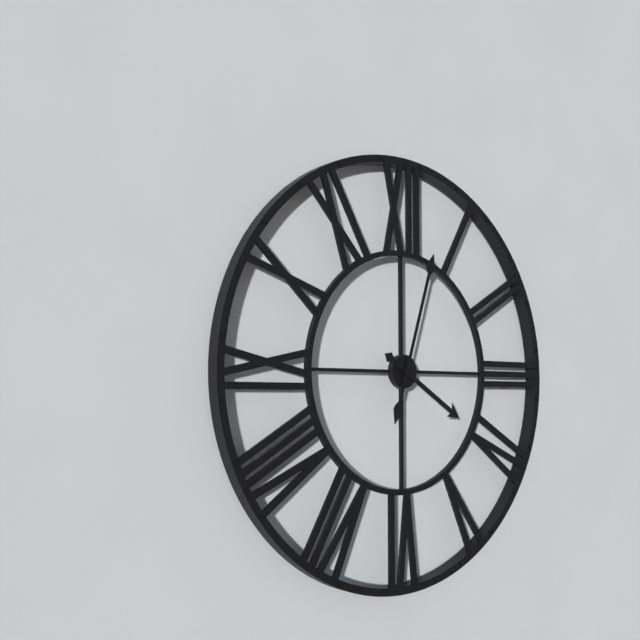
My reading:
{"hour": 4, "minute": 3}
